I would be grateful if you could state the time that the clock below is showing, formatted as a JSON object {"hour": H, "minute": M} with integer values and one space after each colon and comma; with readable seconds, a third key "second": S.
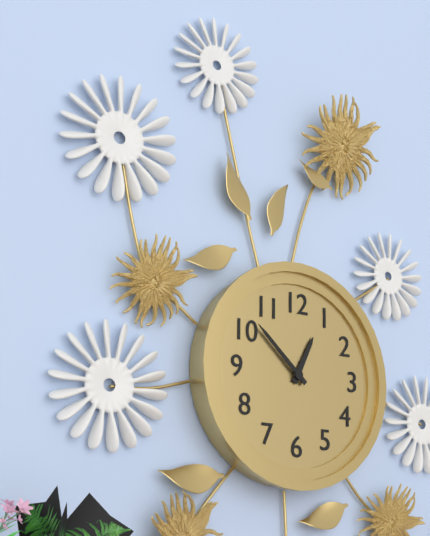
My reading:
{"hour": 12, "minute": 52}
